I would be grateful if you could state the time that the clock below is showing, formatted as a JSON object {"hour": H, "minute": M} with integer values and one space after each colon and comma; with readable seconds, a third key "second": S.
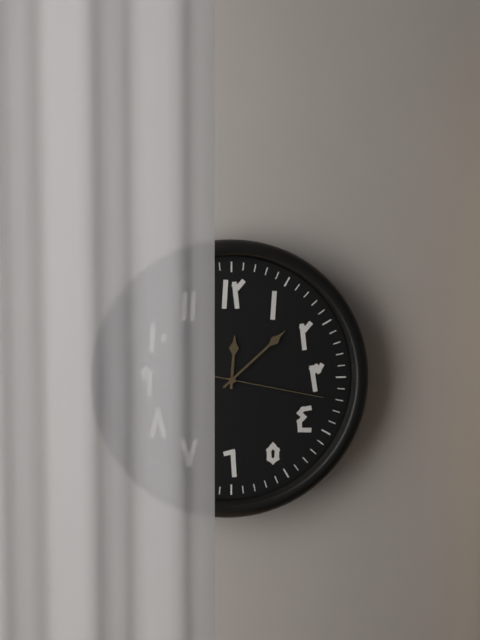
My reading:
{"hour": 12, "minute": 8, "second": 17}
